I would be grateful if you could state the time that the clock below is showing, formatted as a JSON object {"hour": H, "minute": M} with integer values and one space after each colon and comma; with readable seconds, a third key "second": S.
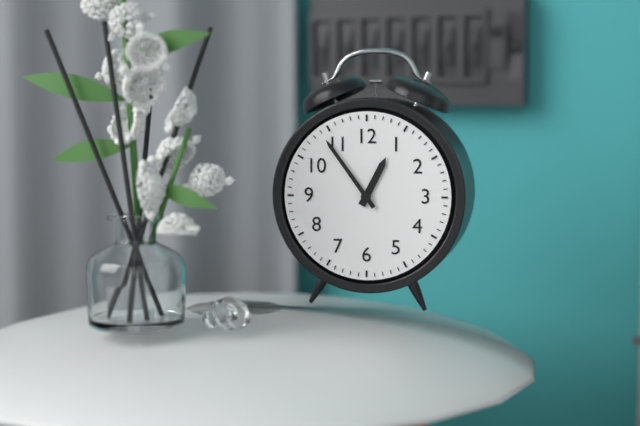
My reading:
{"hour": 12, "minute": 54}
